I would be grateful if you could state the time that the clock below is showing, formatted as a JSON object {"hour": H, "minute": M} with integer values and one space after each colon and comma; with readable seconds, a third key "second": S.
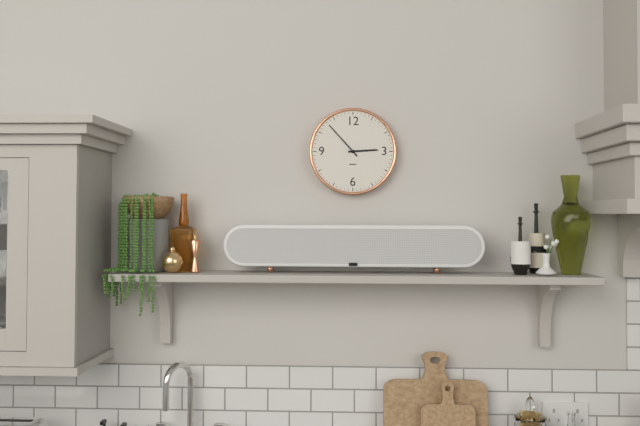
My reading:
{"hour": 2, "minute": 53}
